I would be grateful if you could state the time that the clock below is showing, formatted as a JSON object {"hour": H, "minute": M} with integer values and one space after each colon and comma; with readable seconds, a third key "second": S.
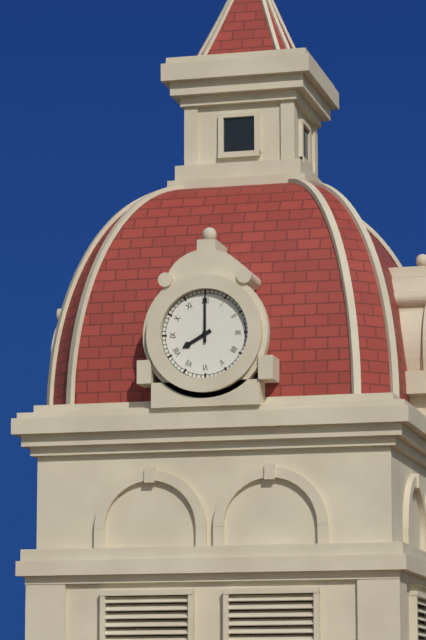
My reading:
{"hour": 8, "minute": 0}
